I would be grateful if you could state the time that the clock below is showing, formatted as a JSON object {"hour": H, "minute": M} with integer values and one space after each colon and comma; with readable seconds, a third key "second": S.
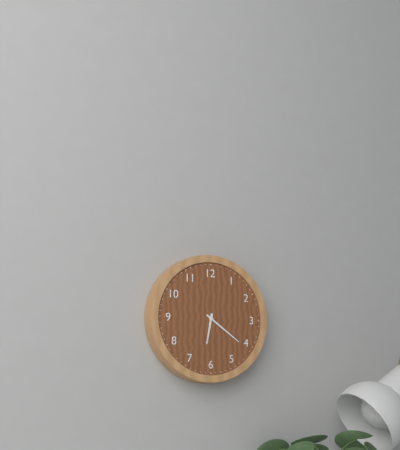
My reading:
{"hour": 6, "minute": 21}
